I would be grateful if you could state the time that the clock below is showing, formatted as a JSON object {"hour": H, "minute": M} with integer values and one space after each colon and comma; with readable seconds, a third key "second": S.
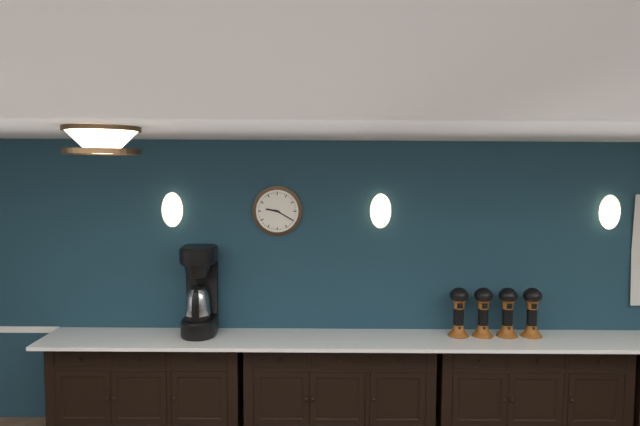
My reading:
{"hour": 9, "minute": 20}
